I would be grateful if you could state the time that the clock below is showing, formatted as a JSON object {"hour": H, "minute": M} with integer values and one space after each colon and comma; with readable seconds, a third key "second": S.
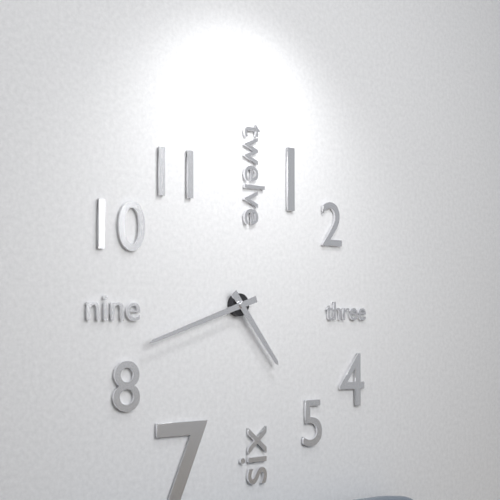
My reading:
{"hour": 4, "minute": 42}
